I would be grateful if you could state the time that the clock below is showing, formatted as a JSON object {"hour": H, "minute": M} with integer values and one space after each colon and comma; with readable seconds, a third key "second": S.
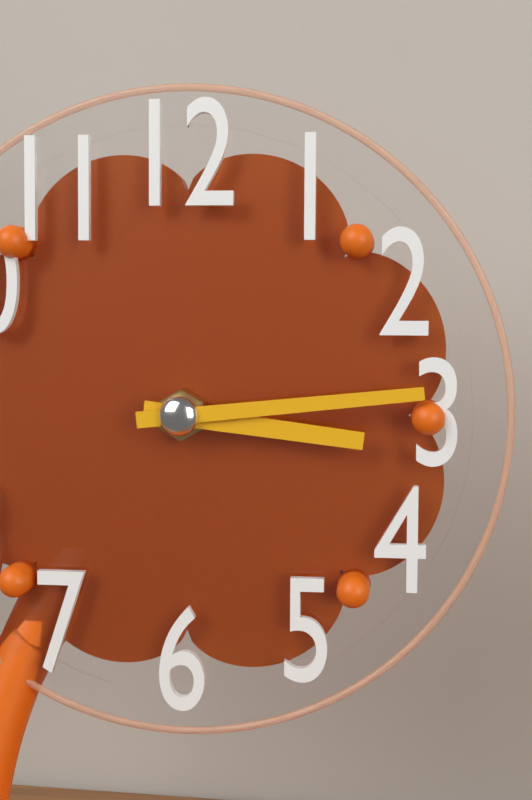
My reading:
{"hour": 3, "minute": 14}
